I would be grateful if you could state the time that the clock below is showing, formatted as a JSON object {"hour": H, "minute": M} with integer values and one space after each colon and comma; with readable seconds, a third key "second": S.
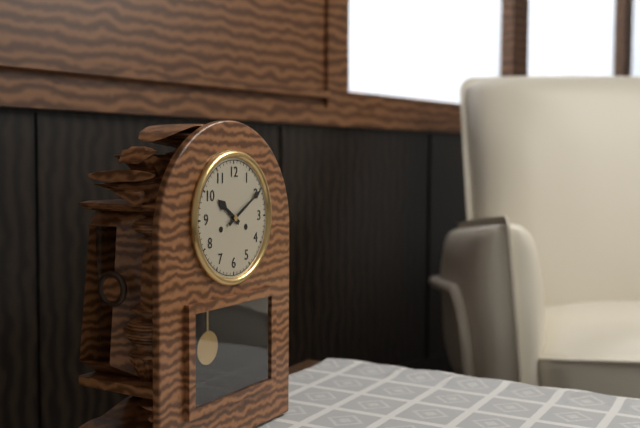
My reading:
{"hour": 10, "minute": 10}
